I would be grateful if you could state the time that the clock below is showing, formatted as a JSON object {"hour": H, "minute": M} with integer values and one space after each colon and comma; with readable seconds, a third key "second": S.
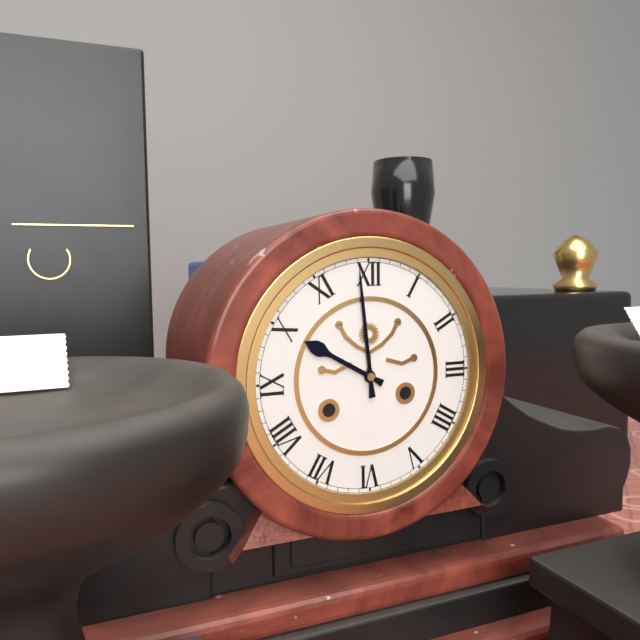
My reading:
{"hour": 9, "minute": 59}
